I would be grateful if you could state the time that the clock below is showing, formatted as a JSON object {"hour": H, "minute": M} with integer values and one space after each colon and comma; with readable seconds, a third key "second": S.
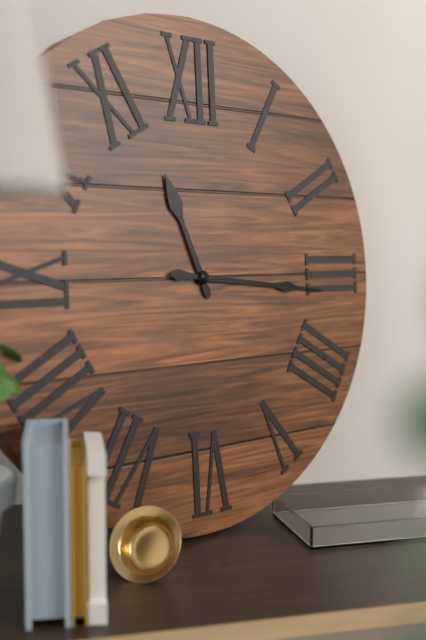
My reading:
{"hour": 11, "minute": 16}
